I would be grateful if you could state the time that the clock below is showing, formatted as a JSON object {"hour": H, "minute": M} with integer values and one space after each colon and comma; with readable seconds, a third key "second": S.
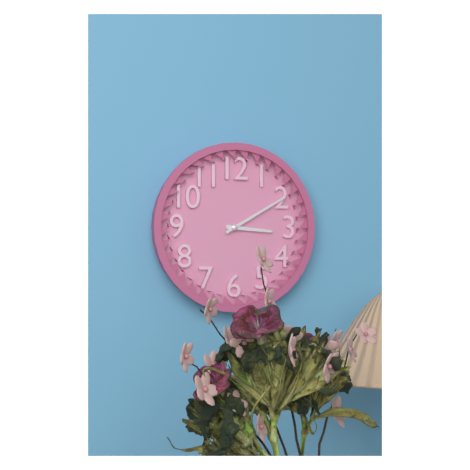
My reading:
{"hour": 3, "minute": 10}
